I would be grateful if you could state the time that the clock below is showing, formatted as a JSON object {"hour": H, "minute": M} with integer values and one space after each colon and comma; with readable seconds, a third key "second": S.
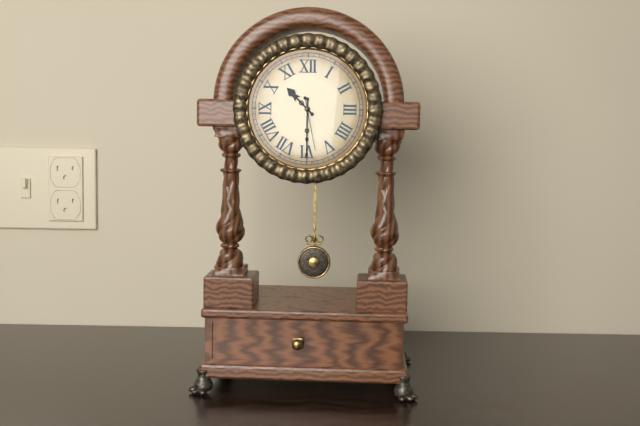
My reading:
{"hour": 10, "minute": 30, "second": 28}
